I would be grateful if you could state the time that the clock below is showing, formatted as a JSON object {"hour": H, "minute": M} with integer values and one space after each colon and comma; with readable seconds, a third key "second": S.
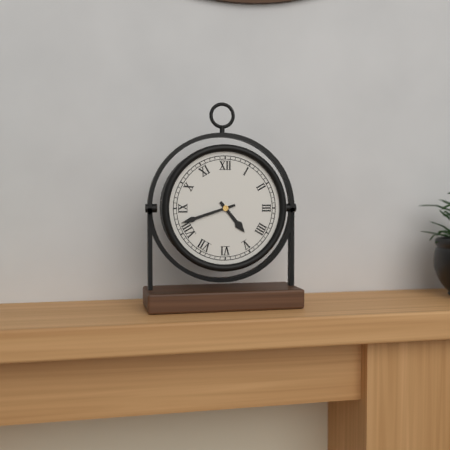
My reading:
{"hour": 4, "minute": 42}
